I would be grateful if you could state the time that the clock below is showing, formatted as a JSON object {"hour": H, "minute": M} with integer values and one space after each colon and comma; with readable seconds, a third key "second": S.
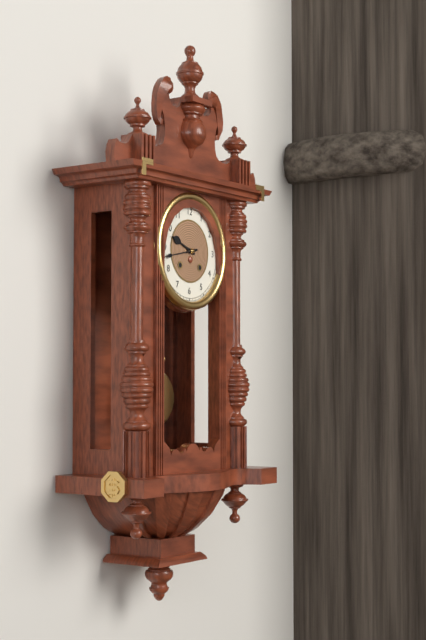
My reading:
{"hour": 9, "minute": 43}
